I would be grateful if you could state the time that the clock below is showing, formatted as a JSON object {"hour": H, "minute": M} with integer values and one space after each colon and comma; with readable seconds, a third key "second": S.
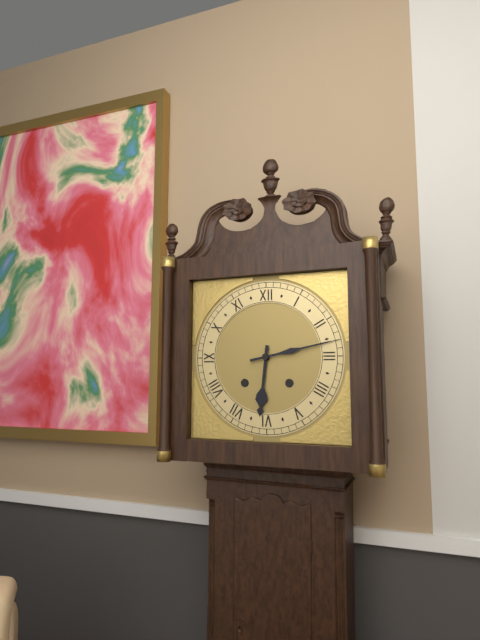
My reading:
{"hour": 6, "minute": 13}
